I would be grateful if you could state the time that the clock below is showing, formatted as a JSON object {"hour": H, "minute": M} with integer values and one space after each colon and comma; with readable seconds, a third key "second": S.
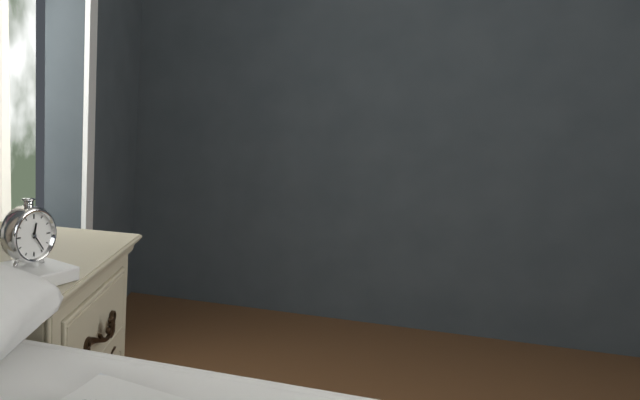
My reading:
{"hour": 12, "minute": 24}
